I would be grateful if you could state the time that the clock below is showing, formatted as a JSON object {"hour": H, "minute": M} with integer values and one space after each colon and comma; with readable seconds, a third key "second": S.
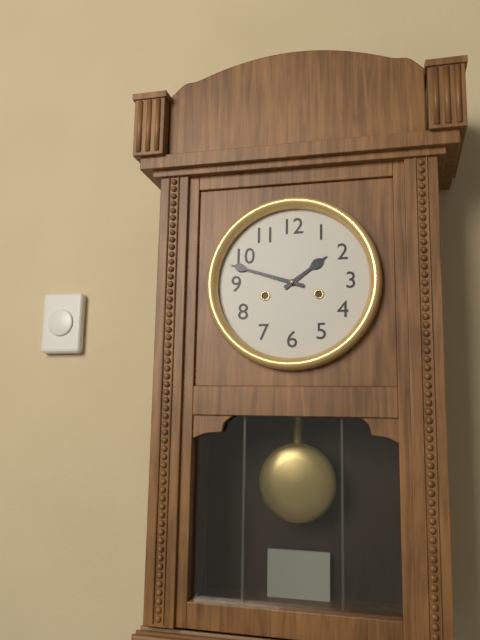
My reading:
{"hour": 1, "minute": 48}
